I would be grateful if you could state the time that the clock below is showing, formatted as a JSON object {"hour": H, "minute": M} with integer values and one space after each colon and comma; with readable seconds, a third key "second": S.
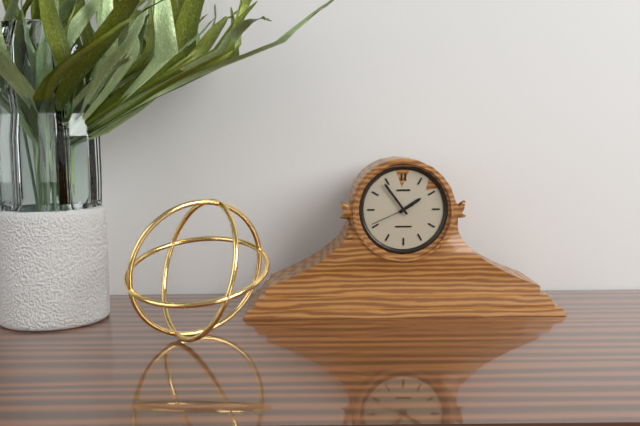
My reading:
{"hour": 1, "minute": 54}
